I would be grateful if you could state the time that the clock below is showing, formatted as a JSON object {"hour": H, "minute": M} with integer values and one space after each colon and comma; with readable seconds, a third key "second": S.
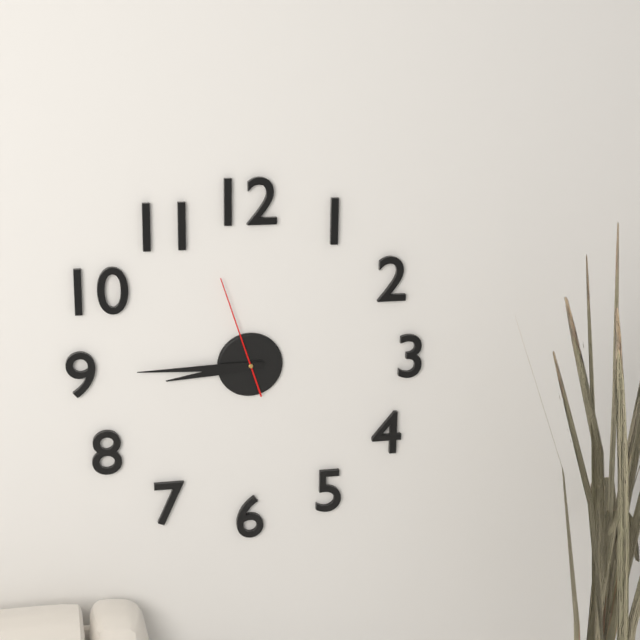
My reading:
{"hour": 8, "minute": 45, "second": 57}
